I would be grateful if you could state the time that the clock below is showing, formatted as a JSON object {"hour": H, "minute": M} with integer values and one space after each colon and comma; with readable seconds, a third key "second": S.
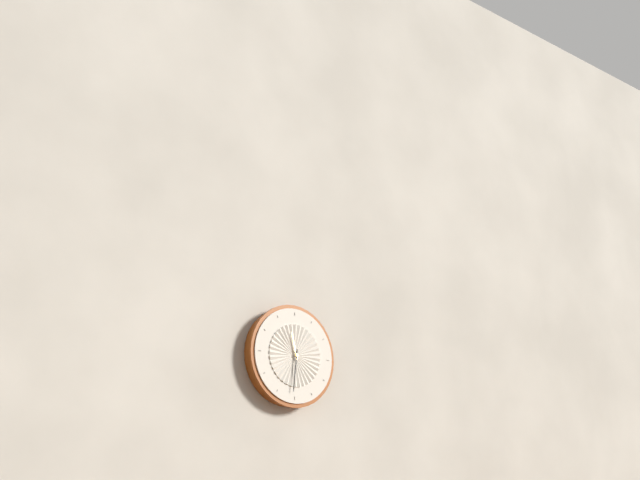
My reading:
{"hour": 11, "minute": 31}
